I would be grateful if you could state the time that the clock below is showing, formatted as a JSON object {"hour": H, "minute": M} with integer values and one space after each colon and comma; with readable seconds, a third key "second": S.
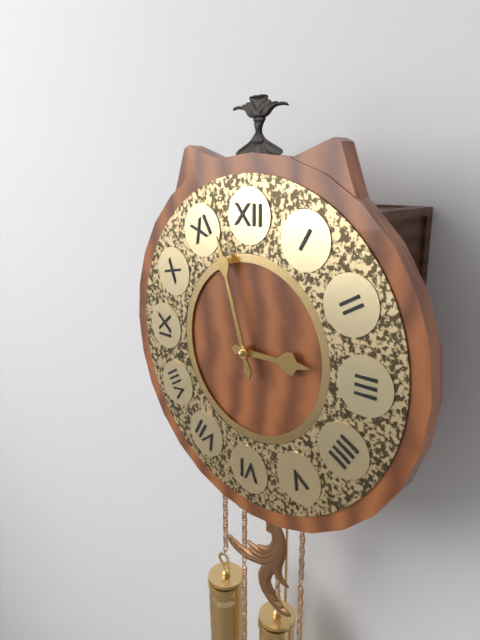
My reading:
{"hour": 2, "minute": 57}
